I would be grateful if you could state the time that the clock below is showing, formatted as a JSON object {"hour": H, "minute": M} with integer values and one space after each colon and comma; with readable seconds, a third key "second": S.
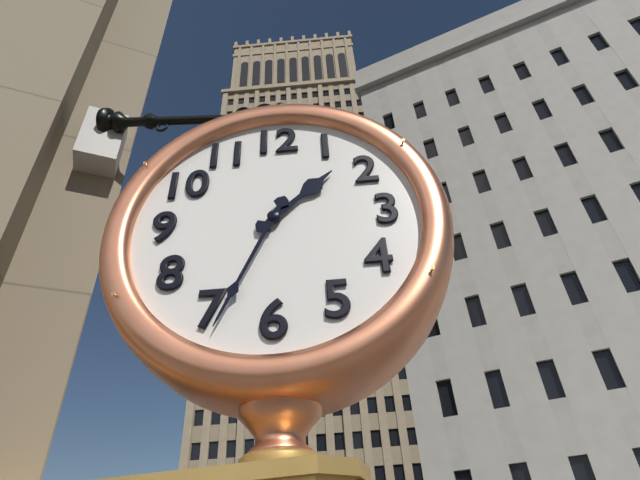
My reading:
{"hour": 1, "minute": 34}
